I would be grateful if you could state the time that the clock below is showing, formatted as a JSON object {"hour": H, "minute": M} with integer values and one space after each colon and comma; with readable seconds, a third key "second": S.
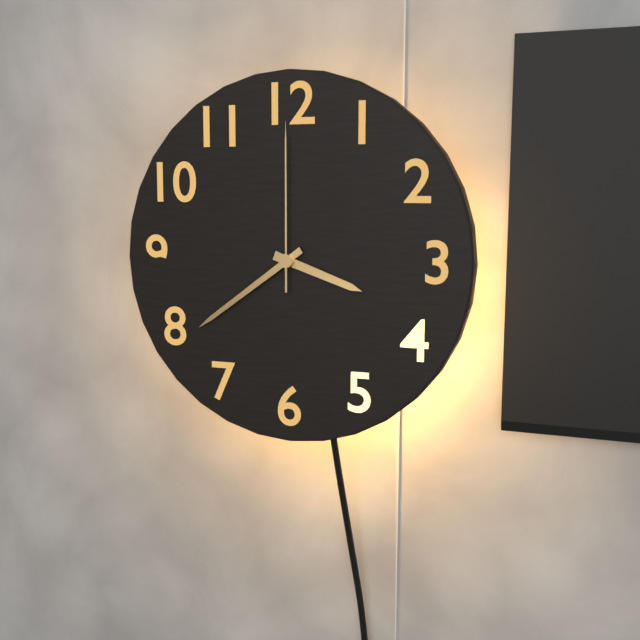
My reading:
{"hour": 3, "minute": 39, "second": 0}
